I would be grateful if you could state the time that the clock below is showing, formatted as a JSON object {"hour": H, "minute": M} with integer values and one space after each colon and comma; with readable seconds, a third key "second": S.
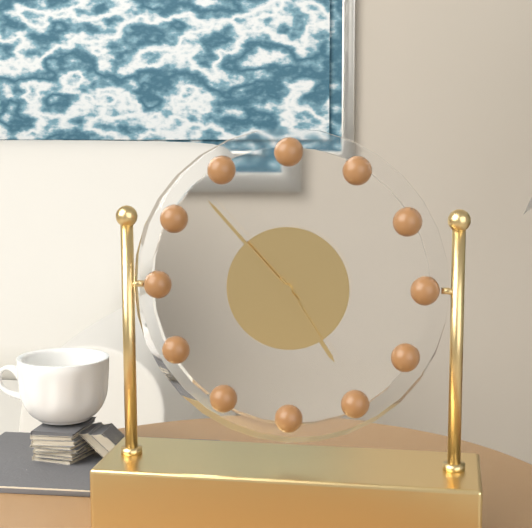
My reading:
{"hour": 4, "minute": 53}
